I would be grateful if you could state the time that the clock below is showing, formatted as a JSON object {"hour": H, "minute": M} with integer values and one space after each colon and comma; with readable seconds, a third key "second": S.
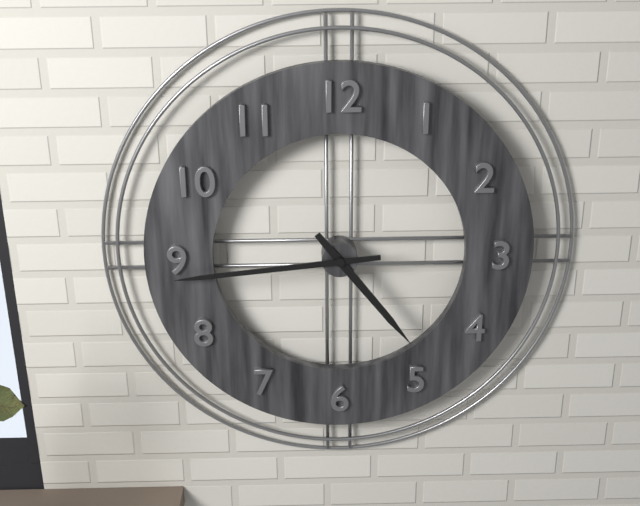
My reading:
{"hour": 4, "minute": 44}
